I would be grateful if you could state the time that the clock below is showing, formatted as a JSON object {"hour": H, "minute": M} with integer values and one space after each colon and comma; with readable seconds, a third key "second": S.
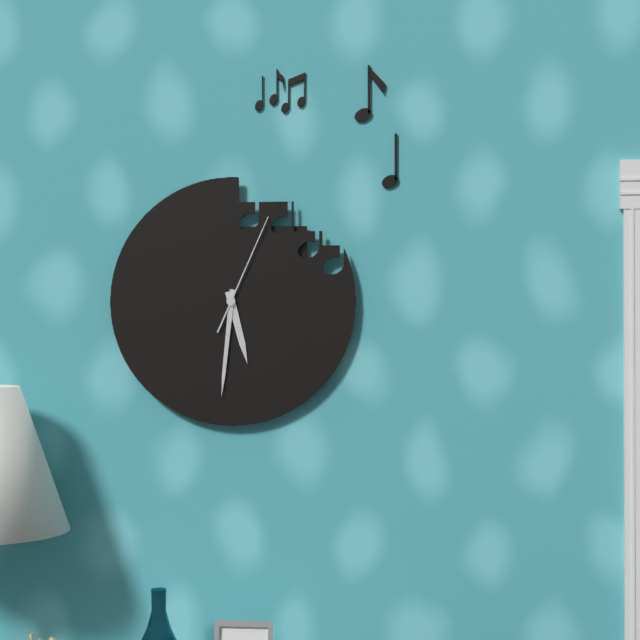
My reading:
{"hour": 5, "minute": 31, "second": 4}
